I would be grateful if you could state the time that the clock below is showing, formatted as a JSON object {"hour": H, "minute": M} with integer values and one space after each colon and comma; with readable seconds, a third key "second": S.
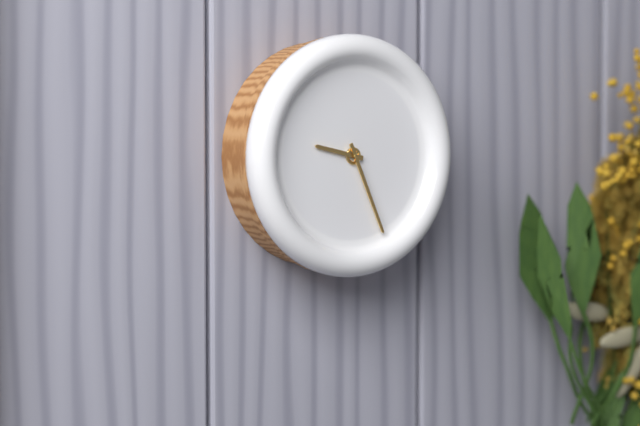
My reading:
{"hour": 9, "minute": 26}
